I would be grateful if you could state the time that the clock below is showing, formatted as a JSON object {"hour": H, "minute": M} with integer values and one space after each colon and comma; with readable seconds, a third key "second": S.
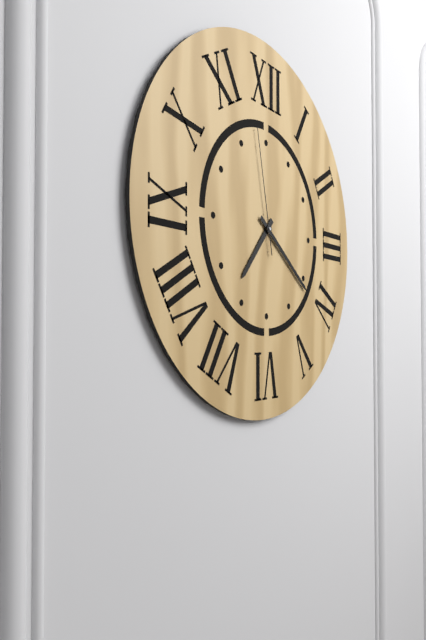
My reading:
{"hour": 7, "minute": 21, "second": 58}
